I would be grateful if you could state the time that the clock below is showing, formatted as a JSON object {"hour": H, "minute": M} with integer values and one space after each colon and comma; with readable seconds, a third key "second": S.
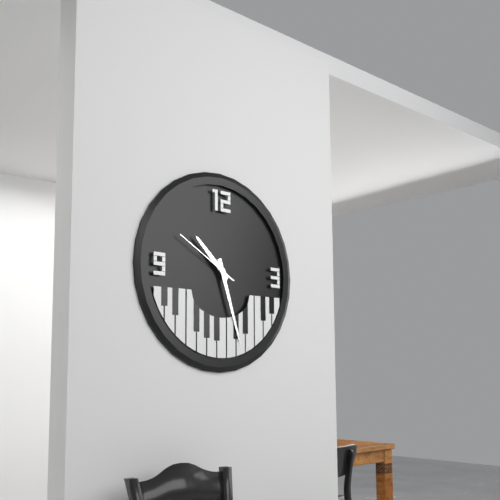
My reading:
{"hour": 10, "minute": 27, "second": 50}
